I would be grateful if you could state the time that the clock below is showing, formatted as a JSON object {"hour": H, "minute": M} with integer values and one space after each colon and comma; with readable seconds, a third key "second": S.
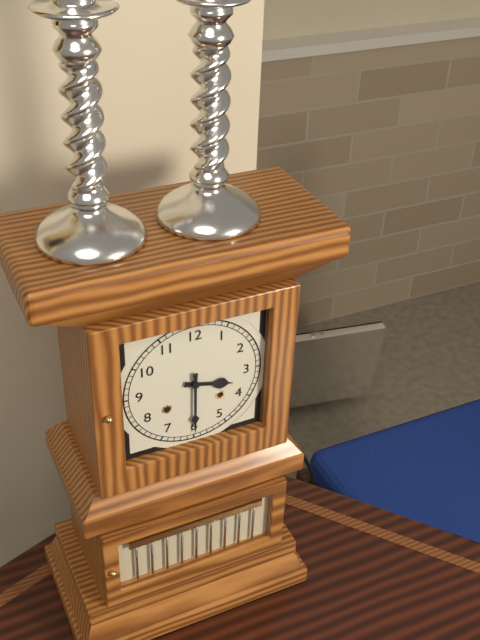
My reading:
{"hour": 3, "minute": 30}
